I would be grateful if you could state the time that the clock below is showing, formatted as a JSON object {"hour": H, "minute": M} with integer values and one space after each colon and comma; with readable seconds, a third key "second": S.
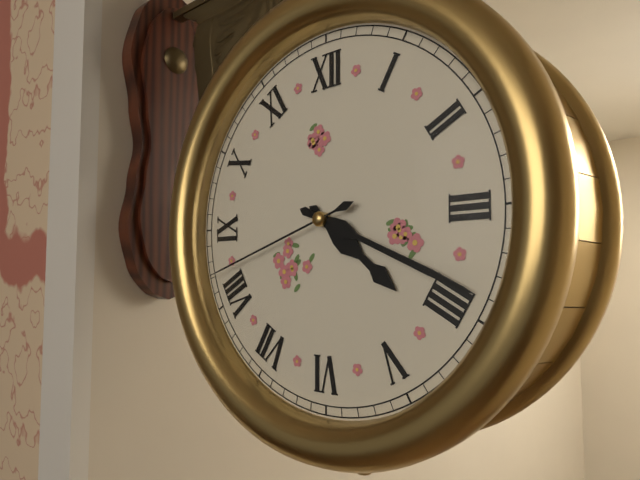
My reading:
{"hour": 4, "minute": 19, "second": 42}
